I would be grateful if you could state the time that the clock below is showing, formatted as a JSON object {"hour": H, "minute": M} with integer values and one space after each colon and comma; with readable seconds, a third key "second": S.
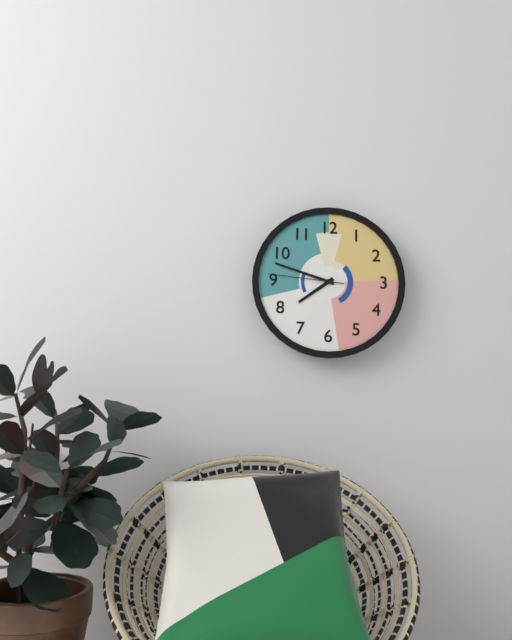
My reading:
{"hour": 7, "minute": 48, "second": 46}
